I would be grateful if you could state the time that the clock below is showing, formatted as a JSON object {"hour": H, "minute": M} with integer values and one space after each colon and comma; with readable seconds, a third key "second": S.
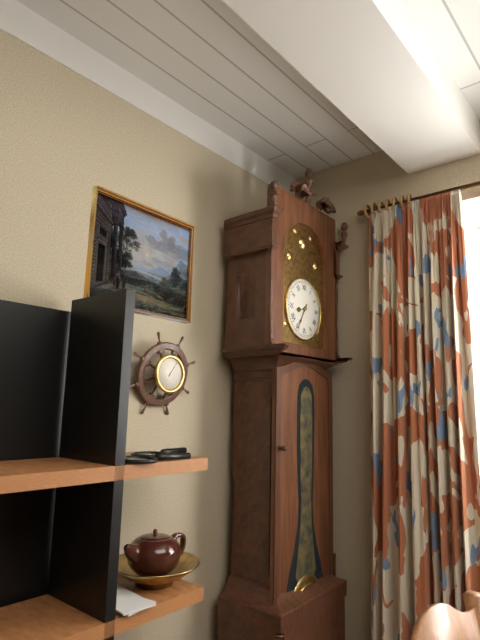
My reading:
{"hour": 8, "minute": 35}
